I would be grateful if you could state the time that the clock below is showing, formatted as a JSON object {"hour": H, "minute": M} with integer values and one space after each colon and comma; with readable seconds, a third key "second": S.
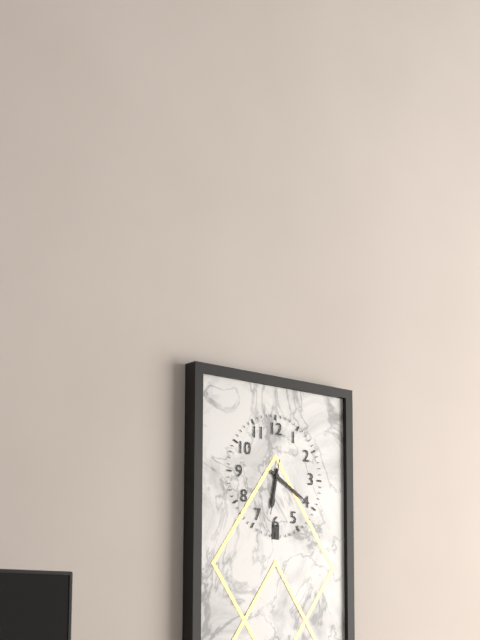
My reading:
{"hour": 6, "minute": 20}
